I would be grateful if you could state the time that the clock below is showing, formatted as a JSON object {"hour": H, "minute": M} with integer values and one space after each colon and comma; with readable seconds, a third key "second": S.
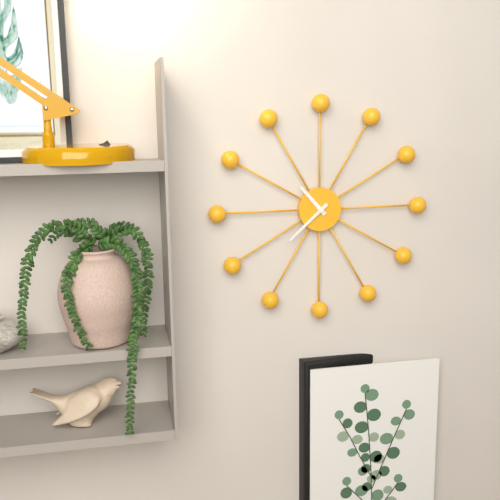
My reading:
{"hour": 10, "minute": 38}
